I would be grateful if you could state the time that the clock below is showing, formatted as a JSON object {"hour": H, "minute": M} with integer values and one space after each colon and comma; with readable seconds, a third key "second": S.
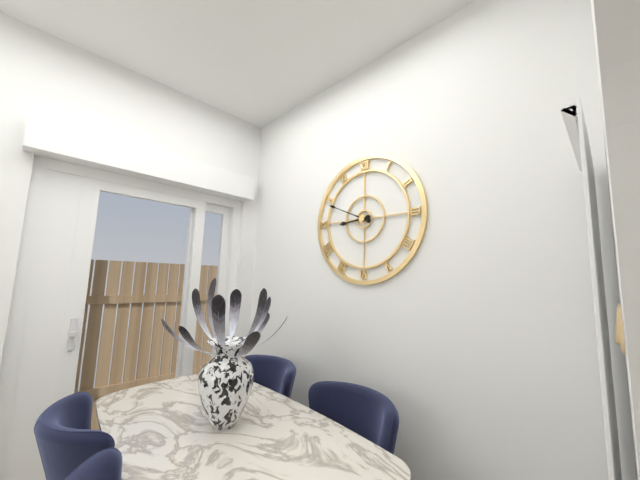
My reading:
{"hour": 8, "minute": 49}
